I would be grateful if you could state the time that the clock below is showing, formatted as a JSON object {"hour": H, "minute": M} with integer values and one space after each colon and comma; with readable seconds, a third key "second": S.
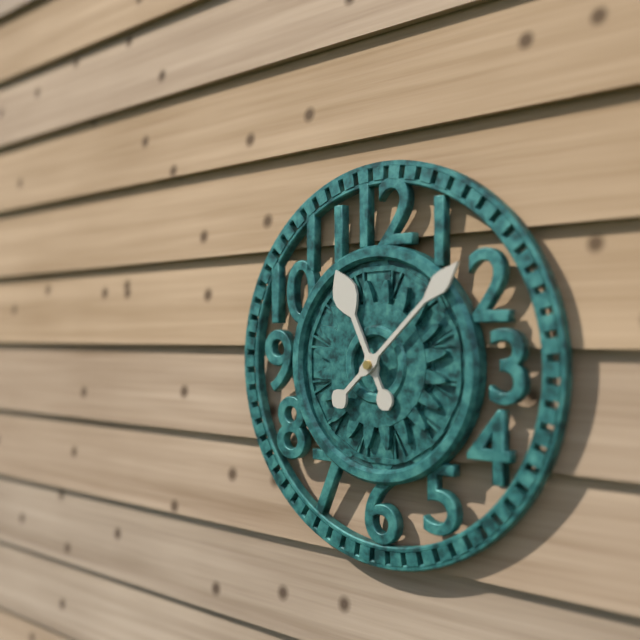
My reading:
{"hour": 11, "minute": 8}
